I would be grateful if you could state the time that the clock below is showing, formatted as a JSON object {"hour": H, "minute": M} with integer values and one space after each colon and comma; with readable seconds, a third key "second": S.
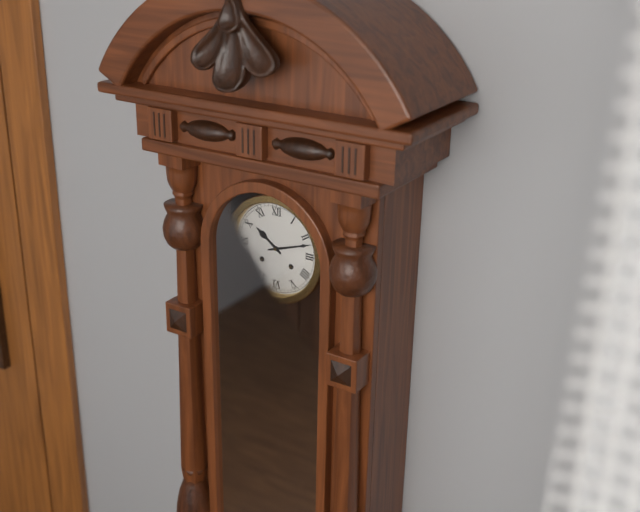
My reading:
{"hour": 10, "minute": 12}
